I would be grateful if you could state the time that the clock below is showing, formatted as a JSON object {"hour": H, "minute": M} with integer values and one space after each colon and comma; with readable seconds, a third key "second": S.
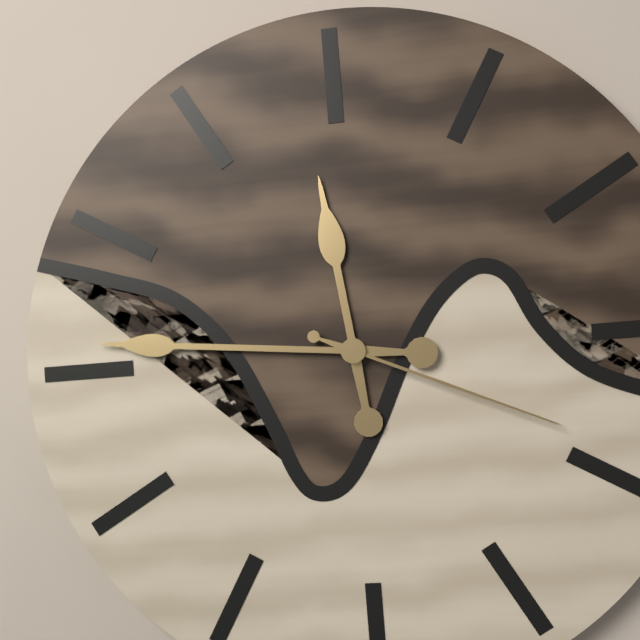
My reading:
{"hour": 11, "minute": 46, "second": 19}
